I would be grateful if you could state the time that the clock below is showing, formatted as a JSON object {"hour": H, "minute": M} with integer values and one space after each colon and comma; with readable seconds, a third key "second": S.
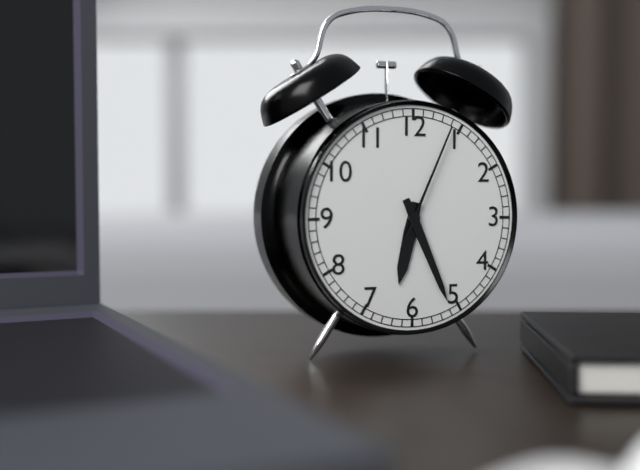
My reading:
{"hour": 6, "minute": 26, "second": 4}
